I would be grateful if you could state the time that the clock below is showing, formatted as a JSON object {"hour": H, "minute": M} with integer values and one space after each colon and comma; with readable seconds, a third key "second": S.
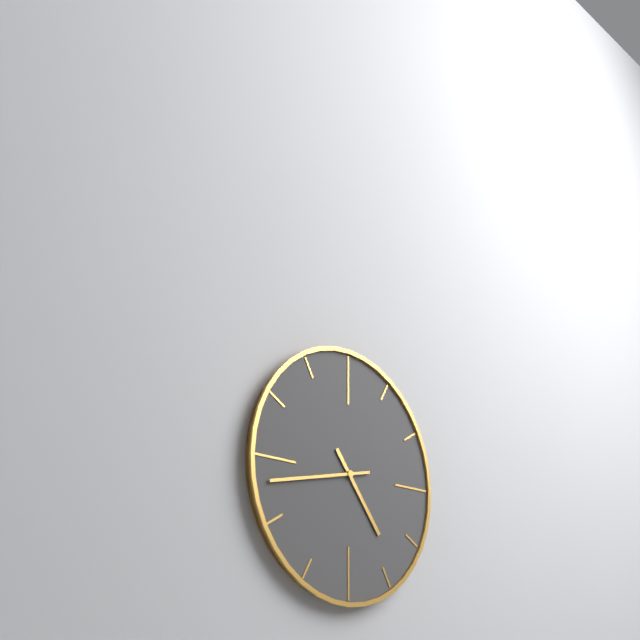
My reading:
{"hour": 4, "minute": 43}
